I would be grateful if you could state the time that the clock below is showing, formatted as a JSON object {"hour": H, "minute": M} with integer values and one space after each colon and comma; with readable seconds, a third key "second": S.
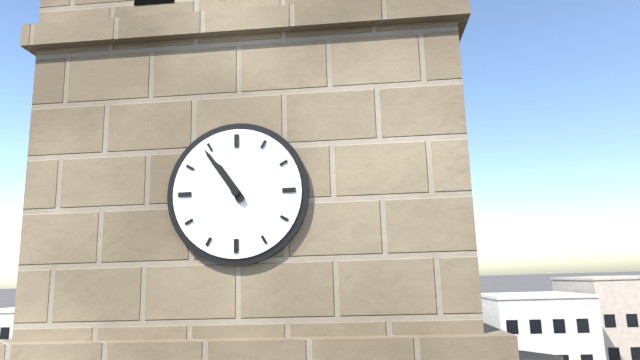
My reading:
{"hour": 10, "minute": 54}
